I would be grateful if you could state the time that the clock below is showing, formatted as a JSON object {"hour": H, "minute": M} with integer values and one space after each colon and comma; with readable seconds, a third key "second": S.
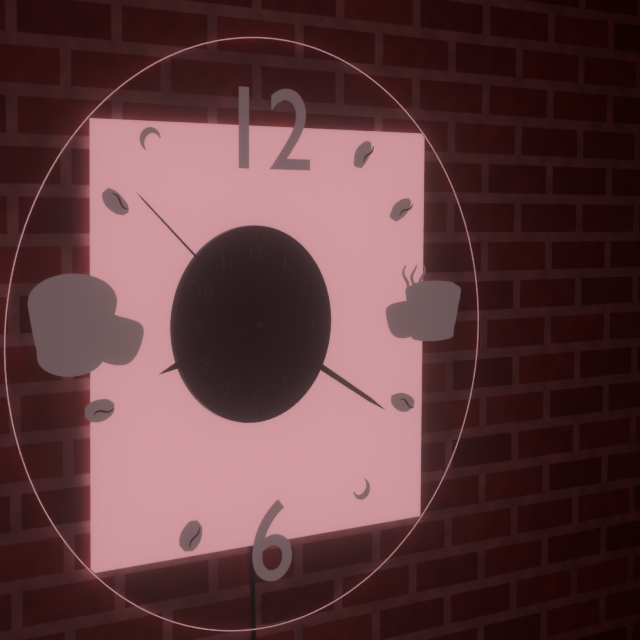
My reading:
{"hour": 8, "minute": 20, "second": 52}
